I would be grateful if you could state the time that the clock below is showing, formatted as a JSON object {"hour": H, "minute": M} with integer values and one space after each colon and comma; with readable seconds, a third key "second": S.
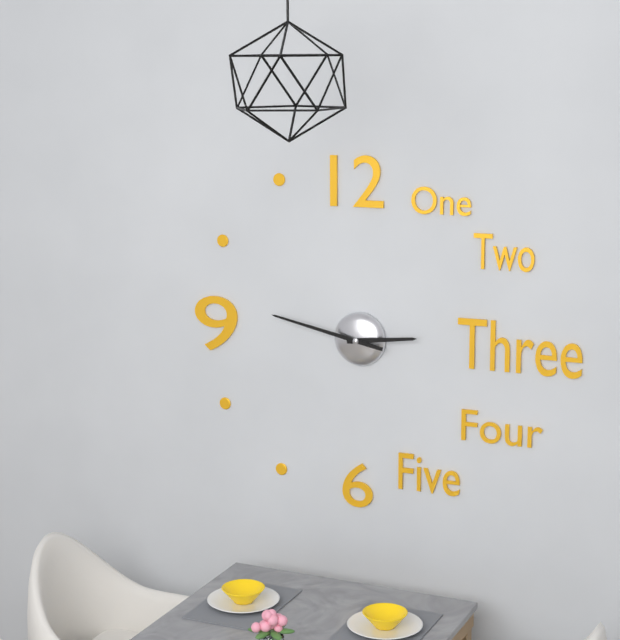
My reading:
{"hour": 2, "minute": 47}
